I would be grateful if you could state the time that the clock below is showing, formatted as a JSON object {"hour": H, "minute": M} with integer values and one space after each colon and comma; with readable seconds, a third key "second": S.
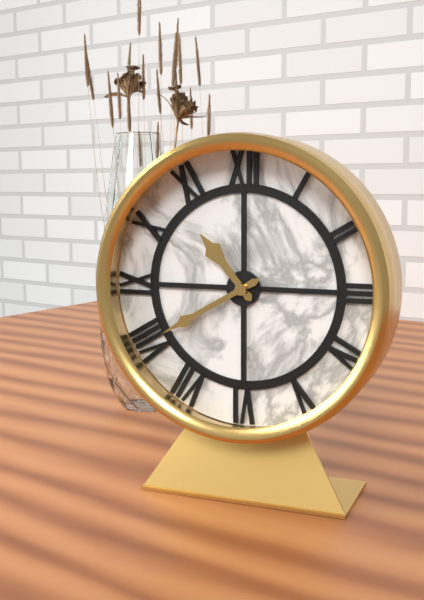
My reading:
{"hour": 10, "minute": 40}
